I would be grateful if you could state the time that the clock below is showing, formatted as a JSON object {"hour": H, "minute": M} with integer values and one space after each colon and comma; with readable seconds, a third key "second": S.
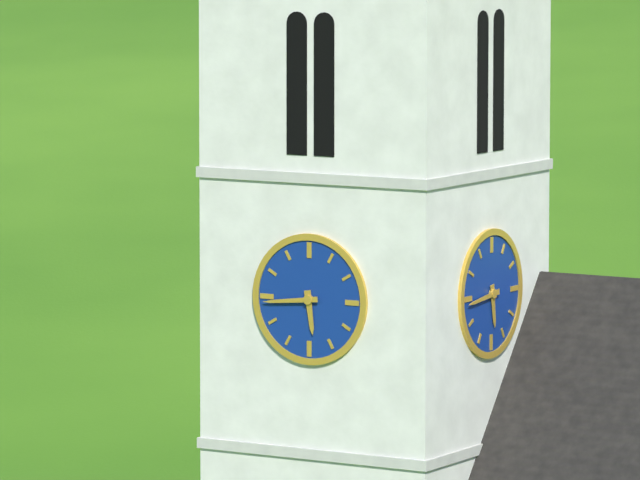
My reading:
{"hour": 5, "minute": 44}
